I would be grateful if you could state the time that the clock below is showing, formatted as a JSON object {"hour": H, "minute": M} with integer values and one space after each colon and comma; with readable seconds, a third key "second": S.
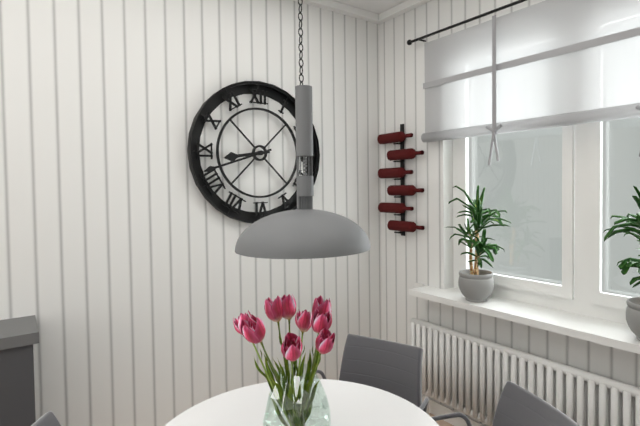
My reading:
{"hour": 8, "minute": 42}
